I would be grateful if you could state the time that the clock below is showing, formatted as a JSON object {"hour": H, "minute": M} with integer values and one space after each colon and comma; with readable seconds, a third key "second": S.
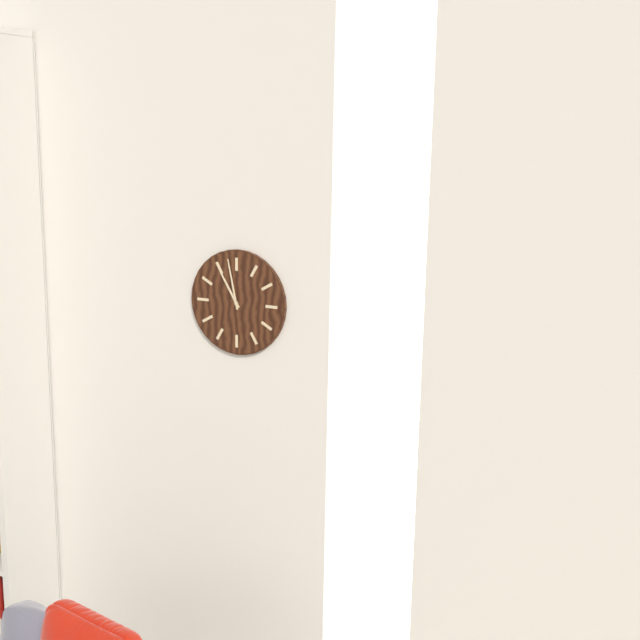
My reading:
{"hour": 10, "minute": 58}
